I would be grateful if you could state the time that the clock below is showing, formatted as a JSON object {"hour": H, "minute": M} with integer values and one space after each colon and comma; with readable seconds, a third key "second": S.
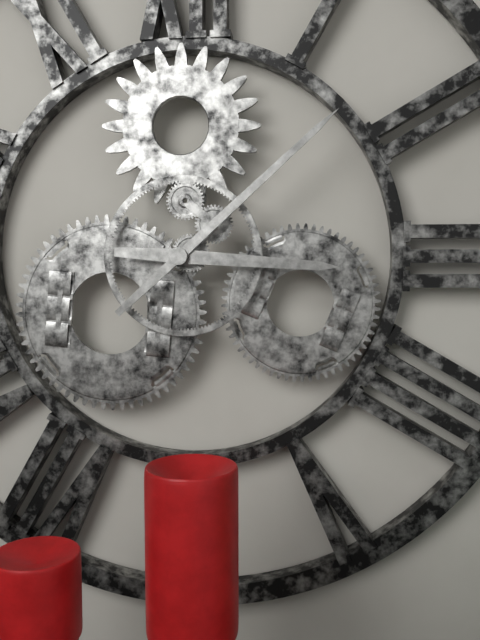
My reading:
{"hour": 3, "minute": 8}
